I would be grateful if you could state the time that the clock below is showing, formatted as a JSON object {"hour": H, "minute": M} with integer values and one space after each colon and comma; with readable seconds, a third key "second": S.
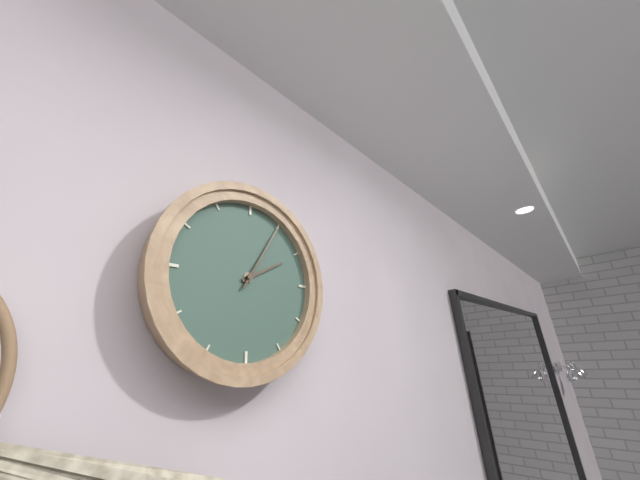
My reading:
{"hour": 2, "minute": 5}
